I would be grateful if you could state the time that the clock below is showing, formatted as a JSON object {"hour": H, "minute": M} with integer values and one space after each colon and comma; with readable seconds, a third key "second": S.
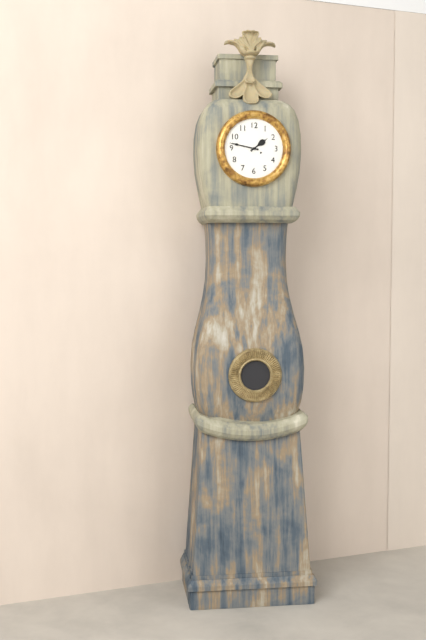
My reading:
{"hour": 1, "minute": 47}
